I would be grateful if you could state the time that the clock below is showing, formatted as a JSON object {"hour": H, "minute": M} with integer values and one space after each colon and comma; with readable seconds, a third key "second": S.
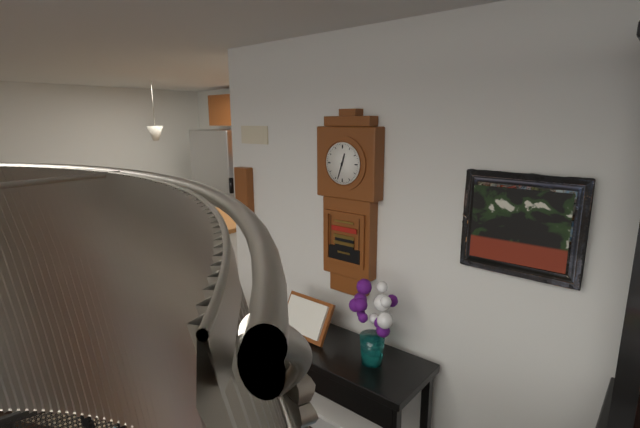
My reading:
{"hour": 12, "minute": 33}
